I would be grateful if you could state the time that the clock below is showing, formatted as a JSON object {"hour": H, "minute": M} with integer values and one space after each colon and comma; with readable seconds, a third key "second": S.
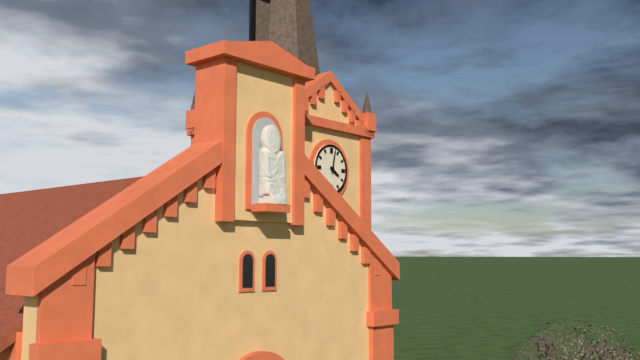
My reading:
{"hour": 4, "minute": 2}
